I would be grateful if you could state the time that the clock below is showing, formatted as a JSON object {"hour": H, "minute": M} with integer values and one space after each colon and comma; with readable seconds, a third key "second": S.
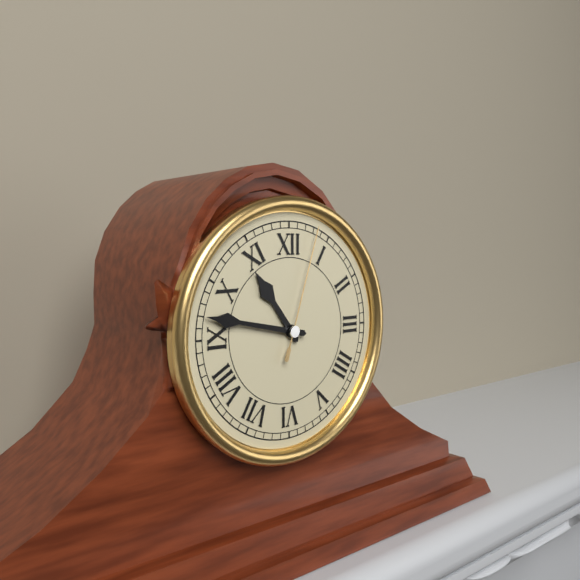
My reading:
{"hour": 10, "minute": 47, "second": 3}
